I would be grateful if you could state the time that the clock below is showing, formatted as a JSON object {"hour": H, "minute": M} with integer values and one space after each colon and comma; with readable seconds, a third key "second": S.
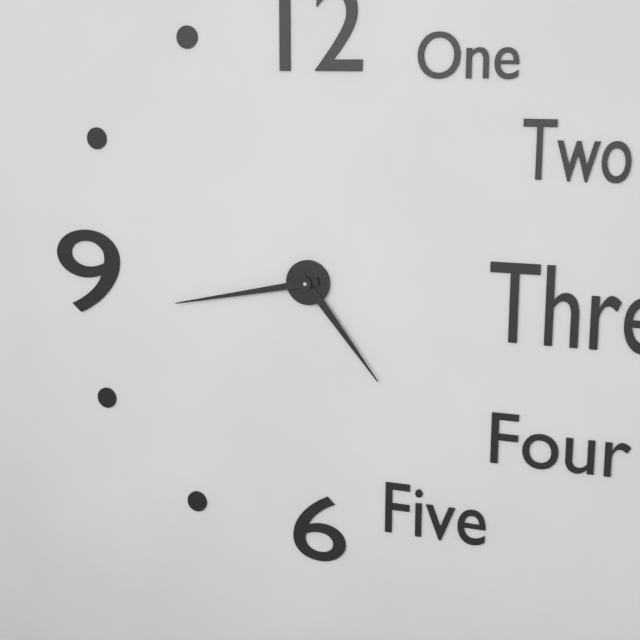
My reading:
{"hour": 4, "minute": 43}
